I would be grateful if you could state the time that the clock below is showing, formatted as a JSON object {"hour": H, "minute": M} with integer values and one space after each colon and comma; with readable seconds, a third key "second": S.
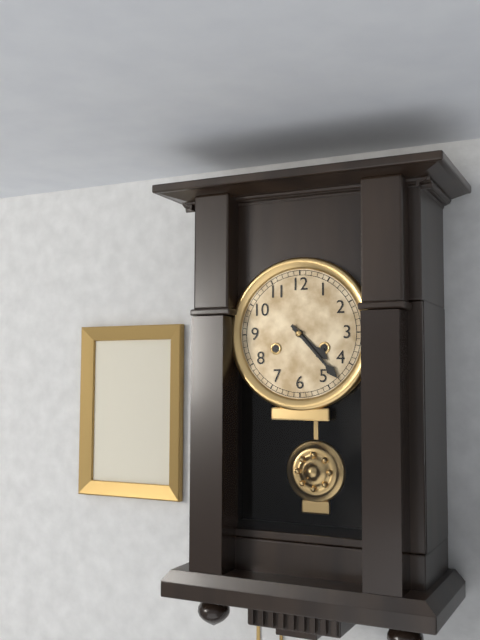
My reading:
{"hour": 4, "minute": 23}
